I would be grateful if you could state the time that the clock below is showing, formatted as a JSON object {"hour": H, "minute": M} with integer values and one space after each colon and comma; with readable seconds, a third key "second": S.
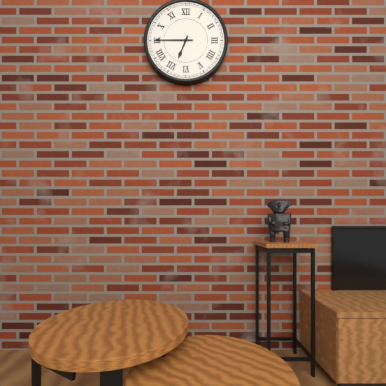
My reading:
{"hour": 6, "minute": 45}
